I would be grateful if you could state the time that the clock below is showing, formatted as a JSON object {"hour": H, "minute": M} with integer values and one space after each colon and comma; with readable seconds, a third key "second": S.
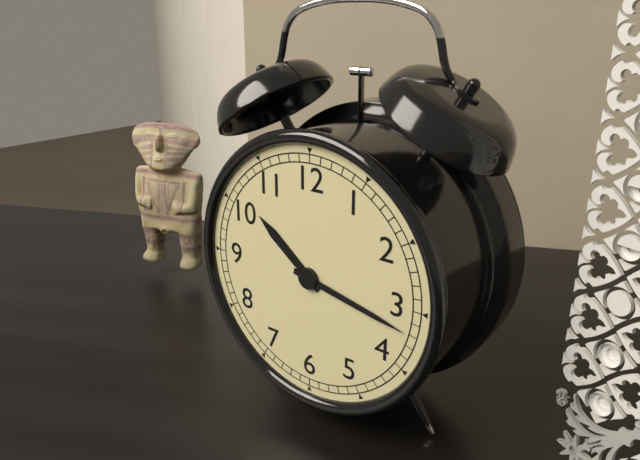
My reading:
{"hour": 10, "minute": 17}
